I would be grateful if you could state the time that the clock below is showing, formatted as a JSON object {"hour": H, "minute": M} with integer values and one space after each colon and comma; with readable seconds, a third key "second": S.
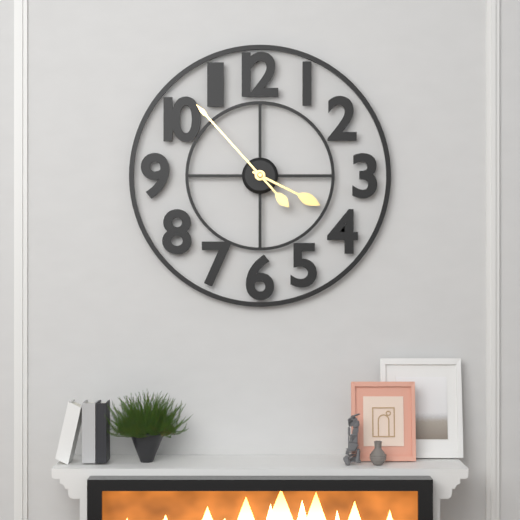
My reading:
{"hour": 3, "minute": 53}
